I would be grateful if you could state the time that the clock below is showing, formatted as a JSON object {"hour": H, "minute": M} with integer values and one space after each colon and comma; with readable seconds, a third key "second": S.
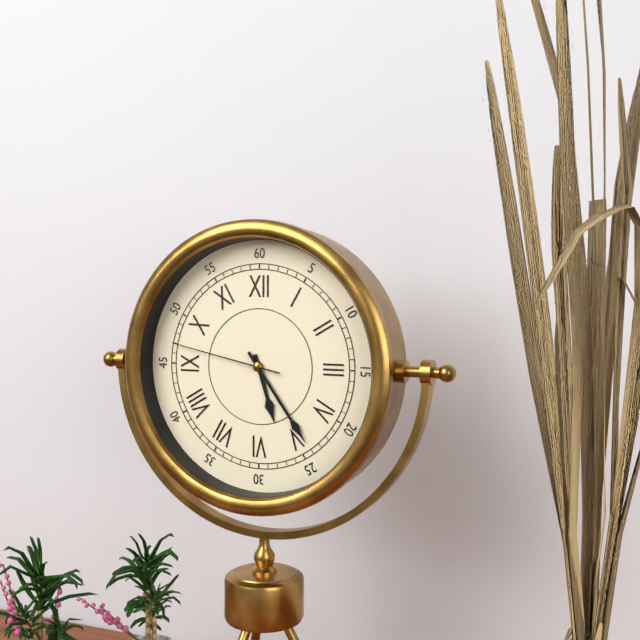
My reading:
{"hour": 5, "minute": 24, "second": 47}
